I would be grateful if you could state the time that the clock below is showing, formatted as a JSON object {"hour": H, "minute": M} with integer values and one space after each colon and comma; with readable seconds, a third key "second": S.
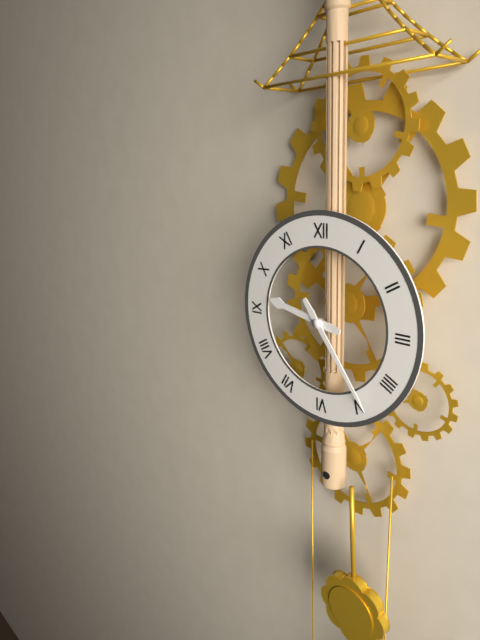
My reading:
{"hour": 9, "minute": 24}
